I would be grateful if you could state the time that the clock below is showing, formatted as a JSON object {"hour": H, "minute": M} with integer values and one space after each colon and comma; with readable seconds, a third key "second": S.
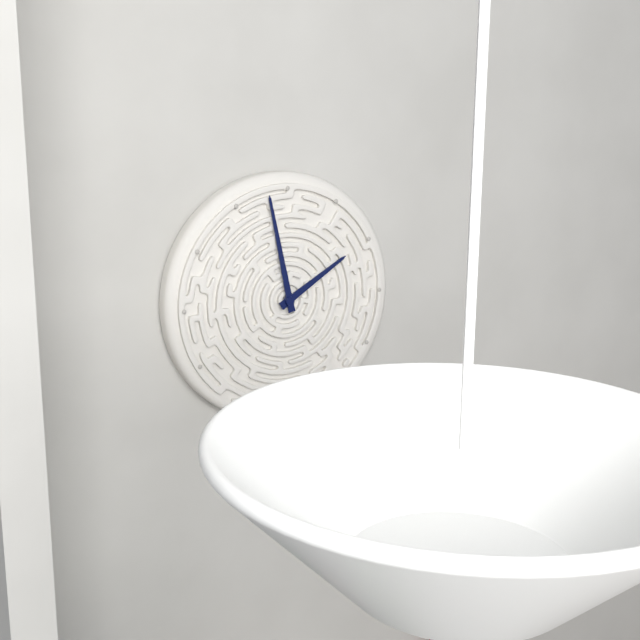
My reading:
{"hour": 1, "minute": 58}
